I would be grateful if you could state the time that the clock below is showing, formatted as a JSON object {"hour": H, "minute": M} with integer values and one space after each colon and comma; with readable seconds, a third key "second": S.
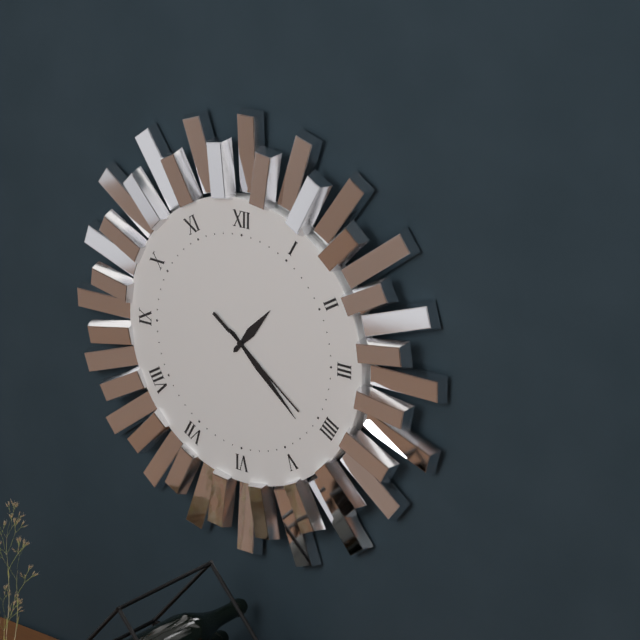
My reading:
{"hour": 1, "minute": 22, "second": 21}
